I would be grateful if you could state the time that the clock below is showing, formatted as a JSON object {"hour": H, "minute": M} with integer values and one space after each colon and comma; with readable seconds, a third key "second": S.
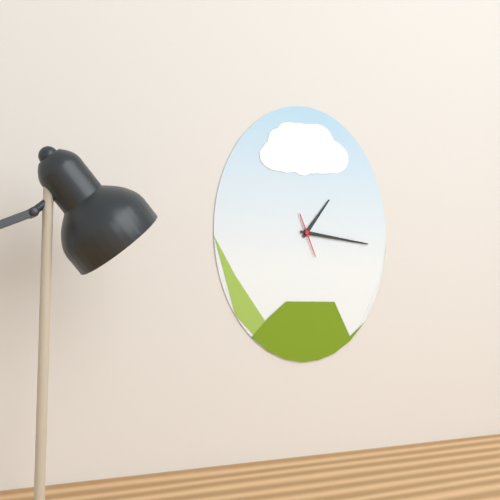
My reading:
{"hour": 1, "minute": 16}
